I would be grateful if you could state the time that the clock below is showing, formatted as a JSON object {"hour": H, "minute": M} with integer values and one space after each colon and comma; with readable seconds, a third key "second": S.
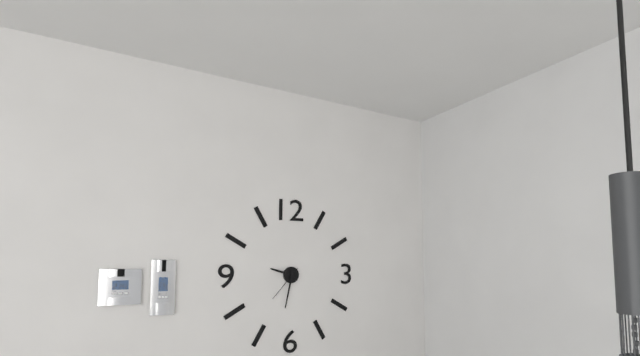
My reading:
{"hour": 9, "minute": 32}
